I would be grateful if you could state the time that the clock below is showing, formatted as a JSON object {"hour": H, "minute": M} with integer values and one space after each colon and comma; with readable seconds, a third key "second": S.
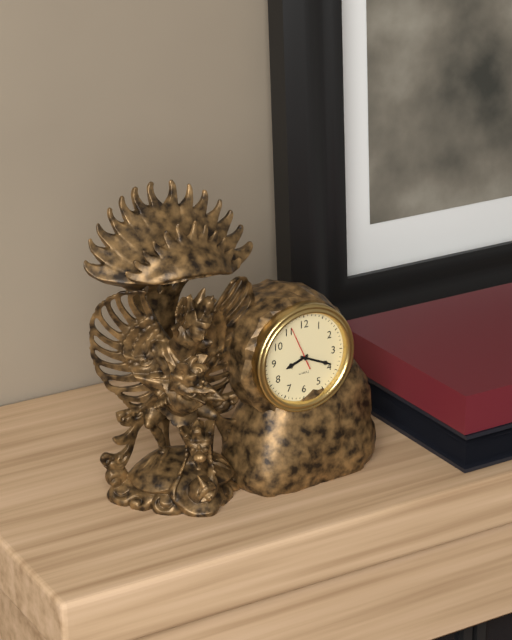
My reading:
{"hour": 8, "minute": 19}
